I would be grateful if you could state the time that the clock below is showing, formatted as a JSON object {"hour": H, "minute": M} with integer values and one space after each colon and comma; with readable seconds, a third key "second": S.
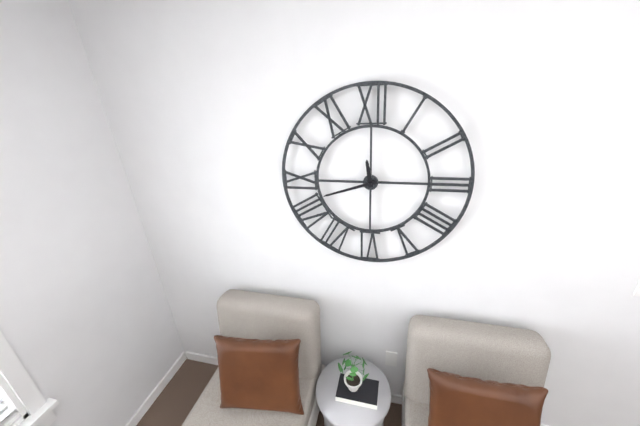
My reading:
{"hour": 11, "minute": 42}
